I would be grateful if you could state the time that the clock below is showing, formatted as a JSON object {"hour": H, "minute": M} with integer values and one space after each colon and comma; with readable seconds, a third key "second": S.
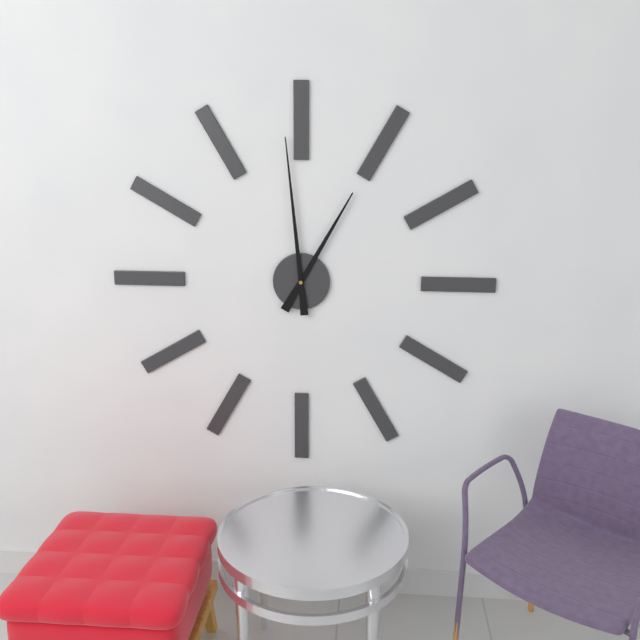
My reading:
{"hour": 12, "minute": 59}
